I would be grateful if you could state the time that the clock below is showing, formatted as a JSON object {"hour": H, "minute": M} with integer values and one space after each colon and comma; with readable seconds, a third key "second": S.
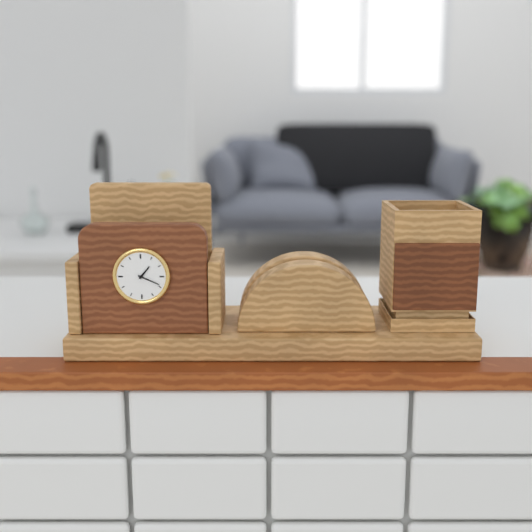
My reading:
{"hour": 1, "minute": 19}
